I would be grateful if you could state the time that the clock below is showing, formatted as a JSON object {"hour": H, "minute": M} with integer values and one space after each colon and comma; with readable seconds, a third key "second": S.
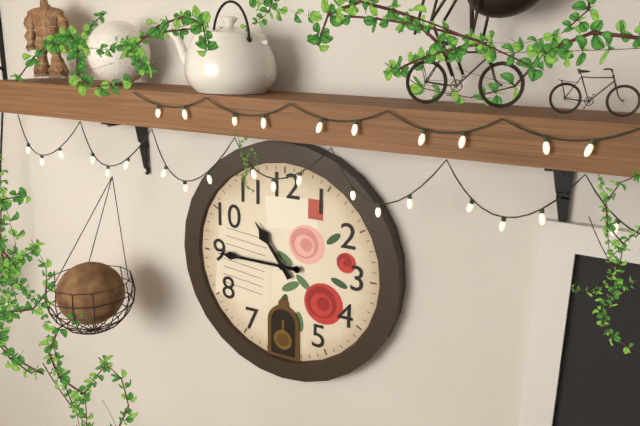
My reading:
{"hour": 10, "minute": 45}
